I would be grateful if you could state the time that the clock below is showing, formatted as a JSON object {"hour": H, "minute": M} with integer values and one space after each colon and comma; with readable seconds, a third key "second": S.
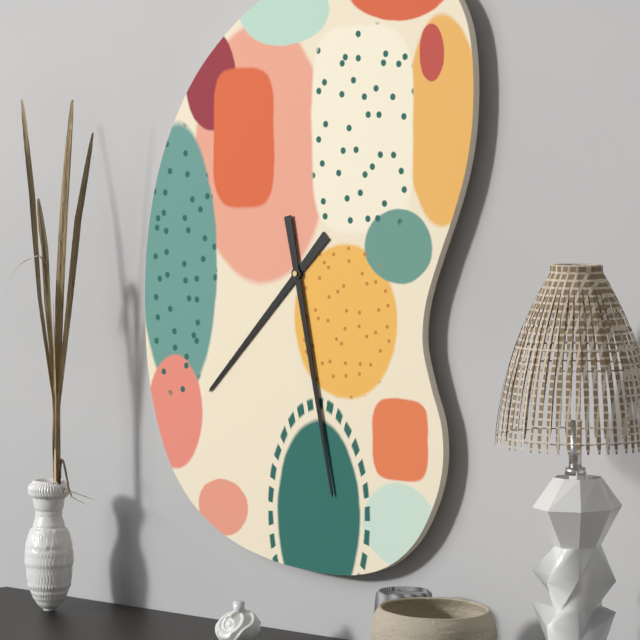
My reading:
{"hour": 7, "minute": 28}
